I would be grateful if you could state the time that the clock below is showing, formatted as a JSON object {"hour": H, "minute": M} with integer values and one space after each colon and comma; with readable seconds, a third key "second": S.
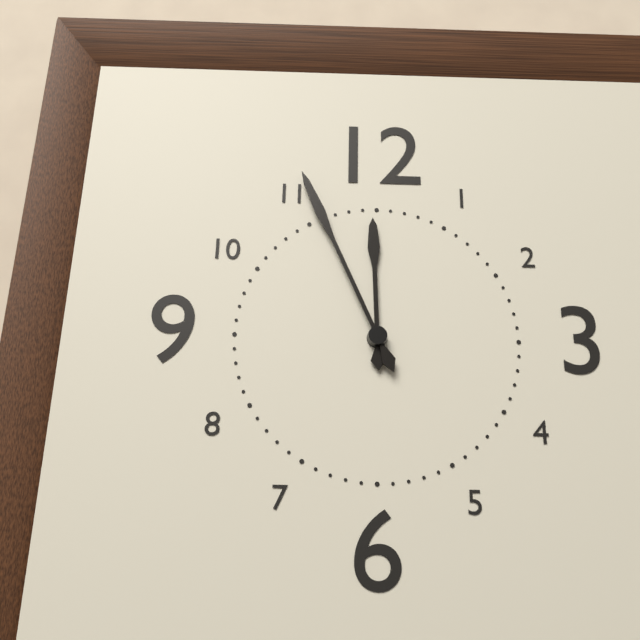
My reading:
{"hour": 11, "minute": 56}
